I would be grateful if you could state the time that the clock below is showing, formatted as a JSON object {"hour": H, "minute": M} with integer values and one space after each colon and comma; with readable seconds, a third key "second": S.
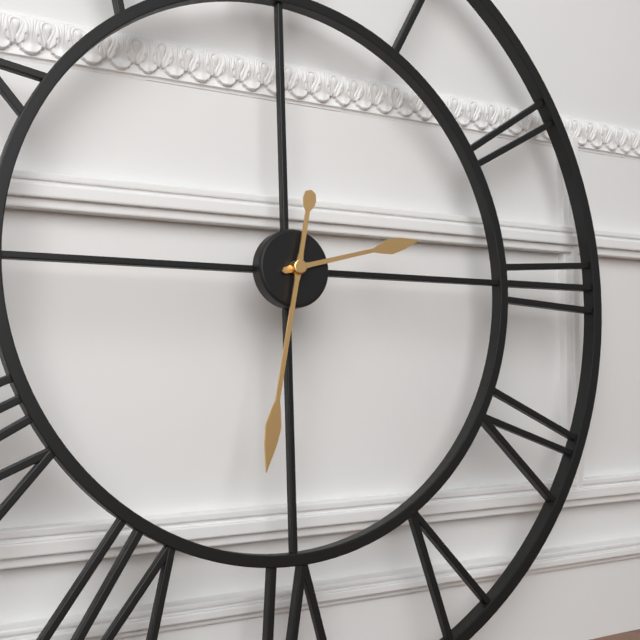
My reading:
{"hour": 2, "minute": 32}
